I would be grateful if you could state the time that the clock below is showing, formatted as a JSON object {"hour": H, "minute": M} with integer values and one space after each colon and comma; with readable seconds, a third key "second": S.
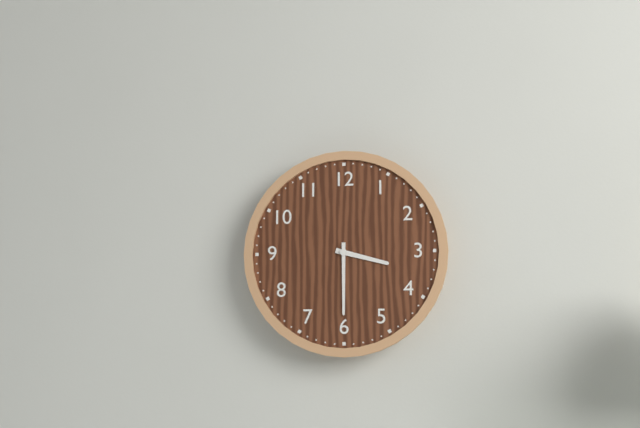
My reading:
{"hour": 3, "minute": 30}
